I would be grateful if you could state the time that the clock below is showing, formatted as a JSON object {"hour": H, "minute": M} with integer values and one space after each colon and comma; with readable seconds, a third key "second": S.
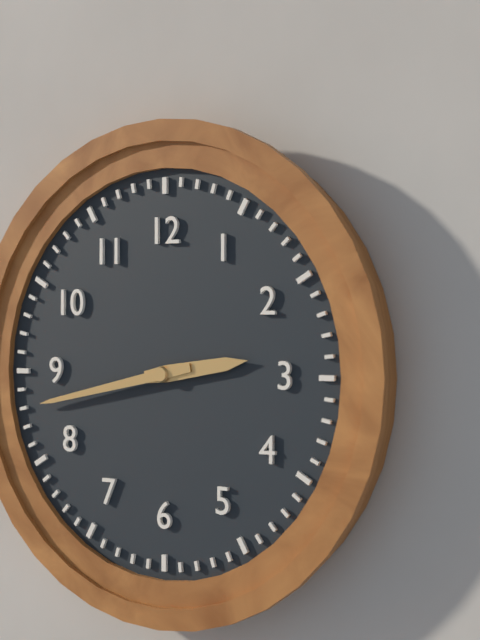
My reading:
{"hour": 2, "minute": 43}
